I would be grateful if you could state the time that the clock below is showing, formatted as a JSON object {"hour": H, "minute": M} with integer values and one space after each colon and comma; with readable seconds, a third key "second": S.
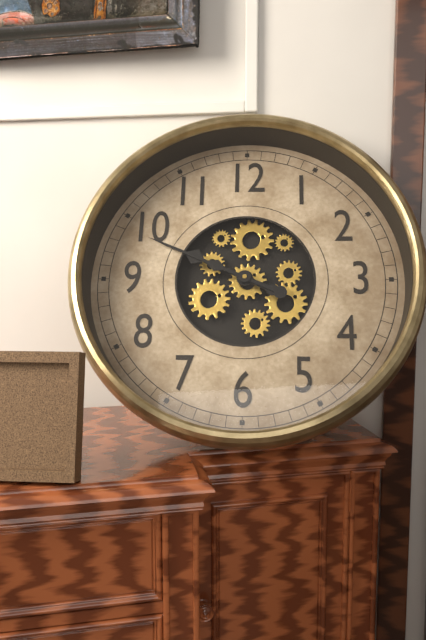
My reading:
{"hour": 9, "minute": 49}
